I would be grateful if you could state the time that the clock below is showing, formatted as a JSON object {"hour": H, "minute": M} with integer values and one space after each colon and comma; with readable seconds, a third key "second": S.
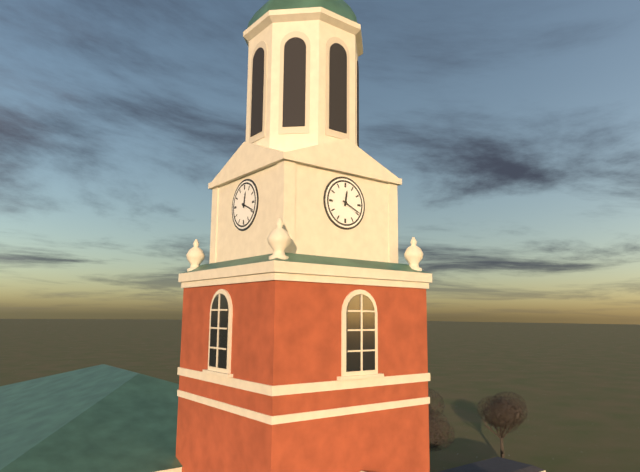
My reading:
{"hour": 12, "minute": 19}
